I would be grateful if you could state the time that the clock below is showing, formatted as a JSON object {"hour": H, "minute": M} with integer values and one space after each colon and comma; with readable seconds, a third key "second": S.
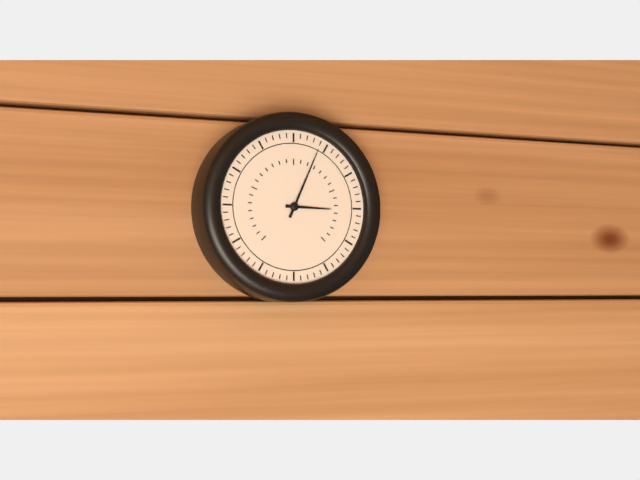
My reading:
{"hour": 3, "minute": 4}
